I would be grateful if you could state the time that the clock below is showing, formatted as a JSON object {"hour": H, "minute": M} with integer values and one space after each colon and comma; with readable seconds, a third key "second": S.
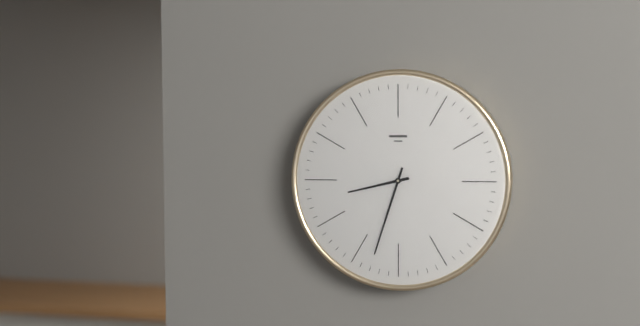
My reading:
{"hour": 8, "minute": 33}
